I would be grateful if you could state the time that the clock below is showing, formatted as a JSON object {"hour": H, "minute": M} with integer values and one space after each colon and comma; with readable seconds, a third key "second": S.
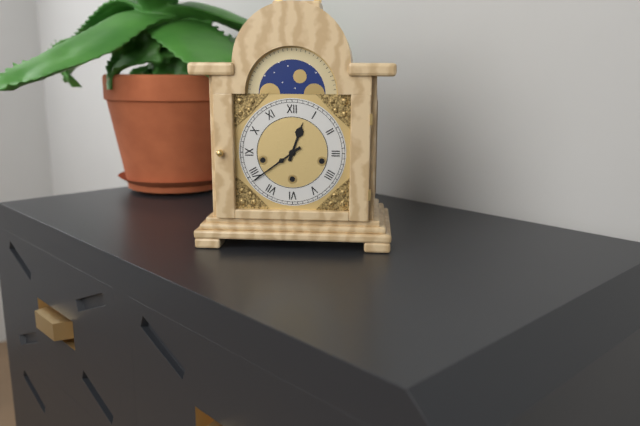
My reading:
{"hour": 12, "minute": 39}
